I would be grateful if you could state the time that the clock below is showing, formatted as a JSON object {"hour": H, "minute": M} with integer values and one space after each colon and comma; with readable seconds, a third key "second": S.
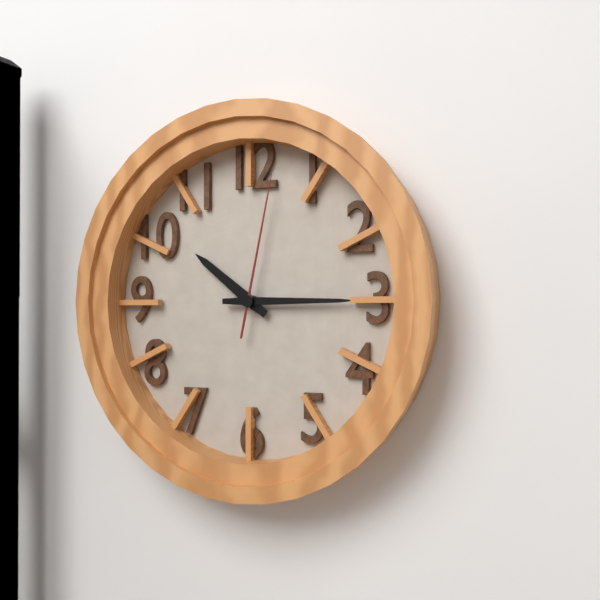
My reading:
{"hour": 10, "minute": 15, "second": 2}
